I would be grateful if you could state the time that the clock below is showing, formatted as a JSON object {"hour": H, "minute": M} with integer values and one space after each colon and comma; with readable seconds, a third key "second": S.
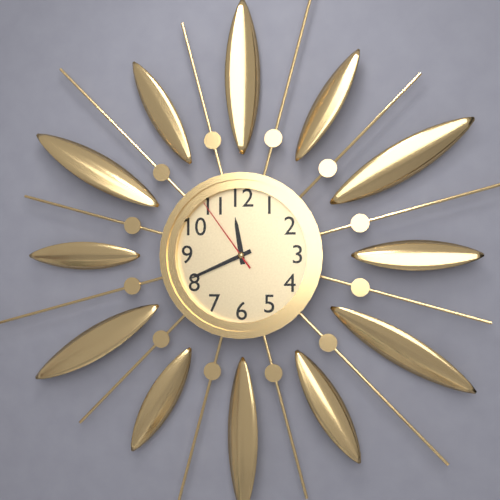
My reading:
{"hour": 11, "minute": 41, "second": 54}
